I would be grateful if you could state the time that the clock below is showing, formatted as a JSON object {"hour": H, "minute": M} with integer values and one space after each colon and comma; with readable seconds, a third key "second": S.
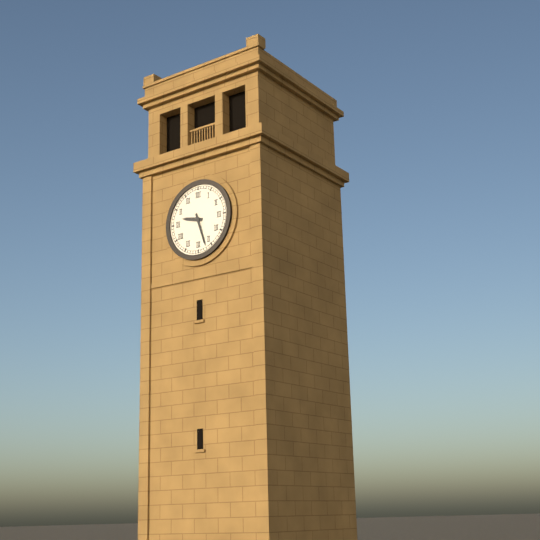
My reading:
{"hour": 9, "minute": 27}
